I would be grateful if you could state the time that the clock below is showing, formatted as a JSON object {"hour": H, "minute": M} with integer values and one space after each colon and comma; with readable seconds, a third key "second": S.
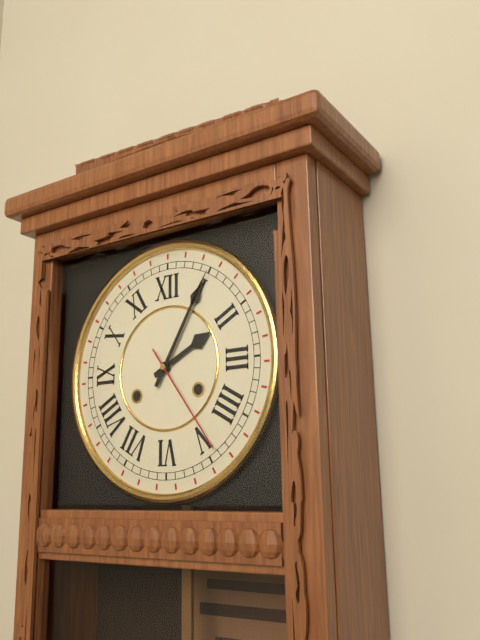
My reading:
{"hour": 2, "minute": 5, "second": 24}
